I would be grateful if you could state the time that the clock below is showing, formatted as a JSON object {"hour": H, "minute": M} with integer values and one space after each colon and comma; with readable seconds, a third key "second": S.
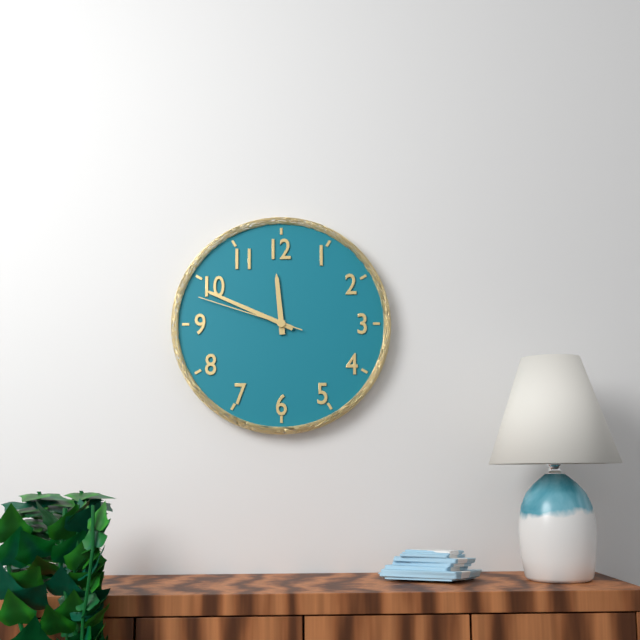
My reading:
{"hour": 11, "minute": 49, "second": 48}
